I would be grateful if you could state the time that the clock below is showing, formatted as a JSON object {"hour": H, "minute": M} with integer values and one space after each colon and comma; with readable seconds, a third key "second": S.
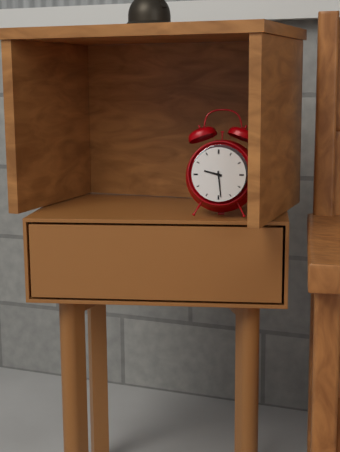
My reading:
{"hour": 9, "minute": 29}
